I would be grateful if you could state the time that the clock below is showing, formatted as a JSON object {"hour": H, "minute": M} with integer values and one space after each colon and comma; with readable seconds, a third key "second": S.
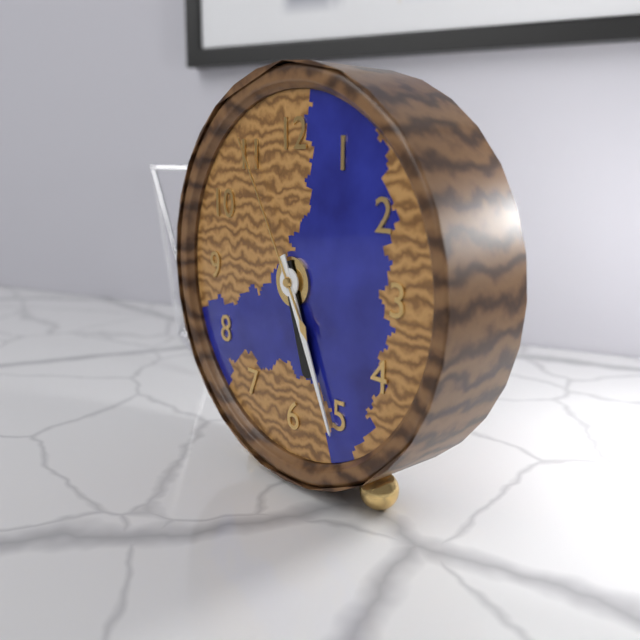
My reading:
{"hour": 5, "minute": 26, "second": 55}
